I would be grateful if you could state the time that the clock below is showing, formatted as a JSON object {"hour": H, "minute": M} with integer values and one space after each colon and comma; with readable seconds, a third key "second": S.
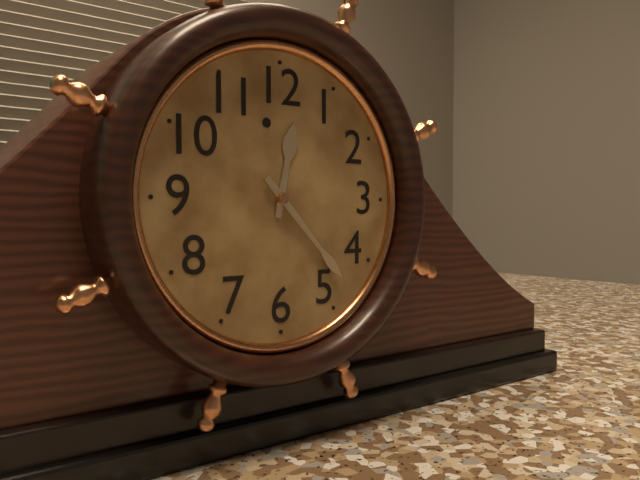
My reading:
{"hour": 12, "minute": 23}
